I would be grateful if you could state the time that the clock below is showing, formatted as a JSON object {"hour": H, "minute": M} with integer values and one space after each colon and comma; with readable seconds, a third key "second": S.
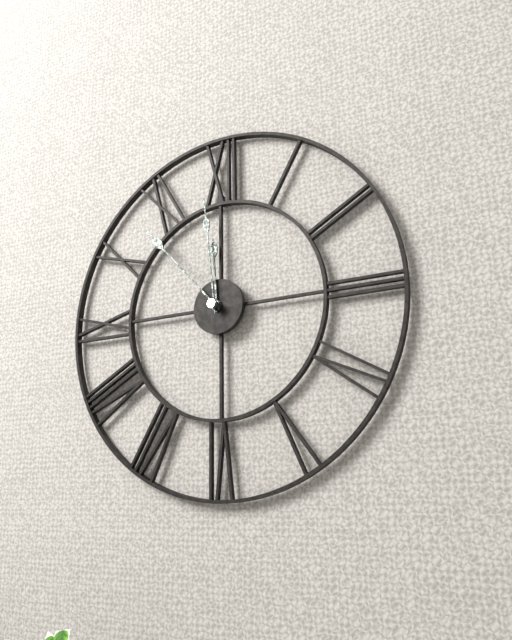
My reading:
{"hour": 11, "minute": 53, "second": 59}
